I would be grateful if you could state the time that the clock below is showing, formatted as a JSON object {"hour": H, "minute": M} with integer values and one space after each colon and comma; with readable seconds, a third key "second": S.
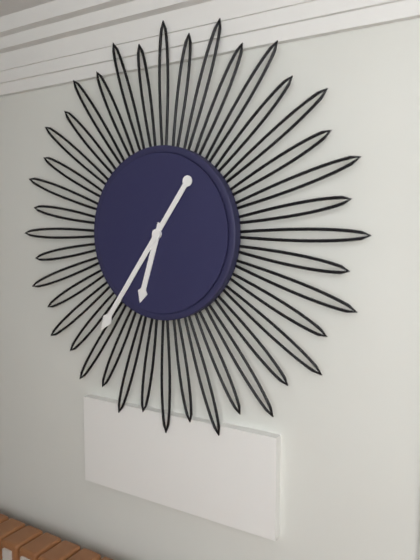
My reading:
{"hour": 6, "minute": 36}
